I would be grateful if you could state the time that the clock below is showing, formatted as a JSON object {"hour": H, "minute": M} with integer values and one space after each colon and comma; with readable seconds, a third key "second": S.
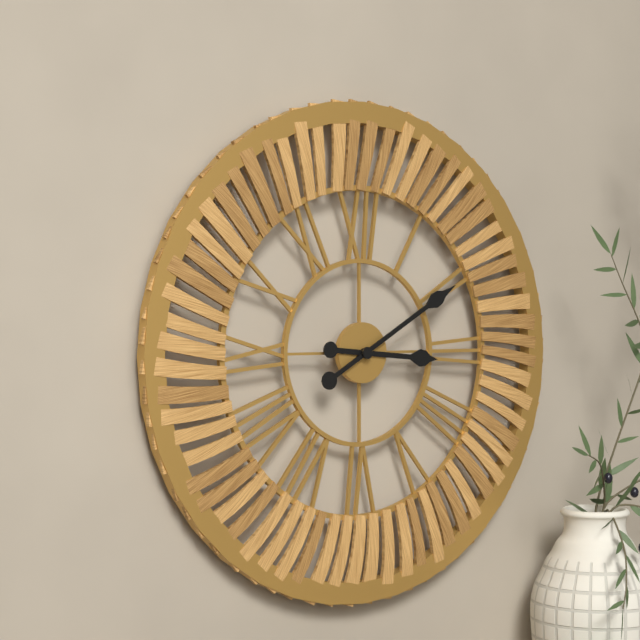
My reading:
{"hour": 3, "minute": 10}
